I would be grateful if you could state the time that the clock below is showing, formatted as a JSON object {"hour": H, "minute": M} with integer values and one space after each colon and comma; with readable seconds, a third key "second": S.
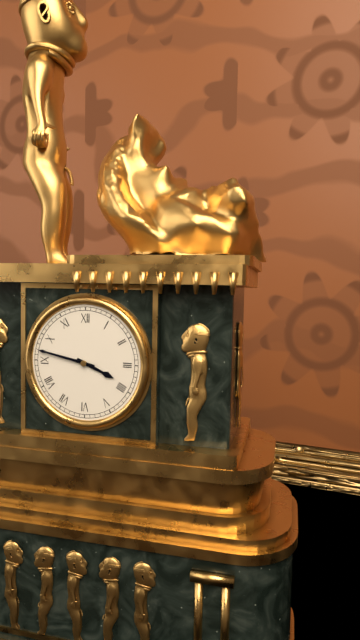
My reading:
{"hour": 3, "minute": 47}
